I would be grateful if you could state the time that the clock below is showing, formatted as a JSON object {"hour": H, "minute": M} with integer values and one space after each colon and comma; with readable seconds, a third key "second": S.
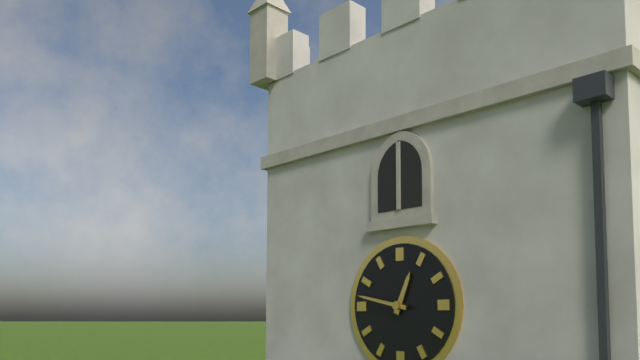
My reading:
{"hour": 12, "minute": 47}
